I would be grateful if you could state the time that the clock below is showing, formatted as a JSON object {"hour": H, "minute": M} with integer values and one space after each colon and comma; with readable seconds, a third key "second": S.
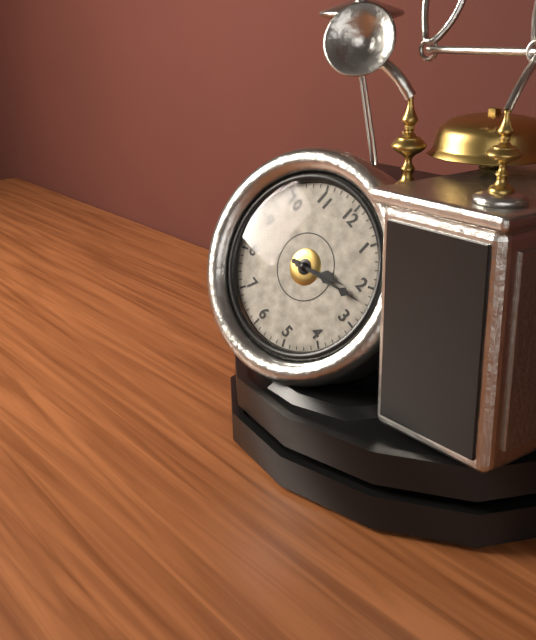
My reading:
{"hour": 2, "minute": 12}
